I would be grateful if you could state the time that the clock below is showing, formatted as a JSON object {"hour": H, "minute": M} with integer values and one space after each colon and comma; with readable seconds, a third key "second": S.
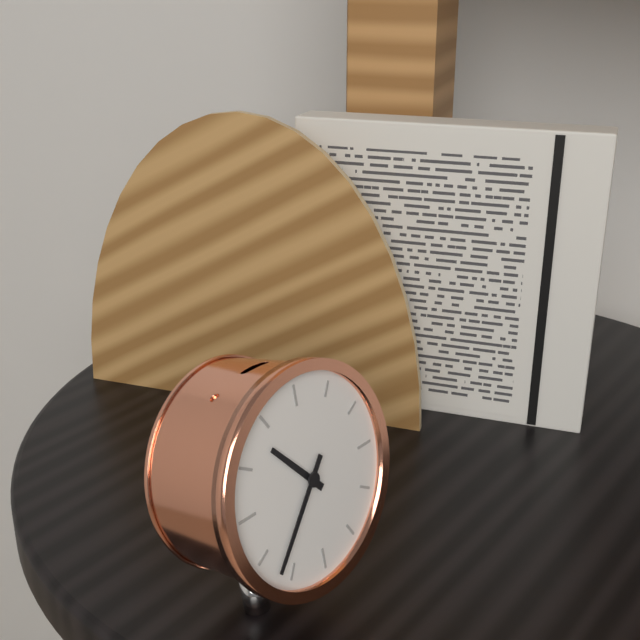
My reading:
{"hour": 10, "minute": 37}
